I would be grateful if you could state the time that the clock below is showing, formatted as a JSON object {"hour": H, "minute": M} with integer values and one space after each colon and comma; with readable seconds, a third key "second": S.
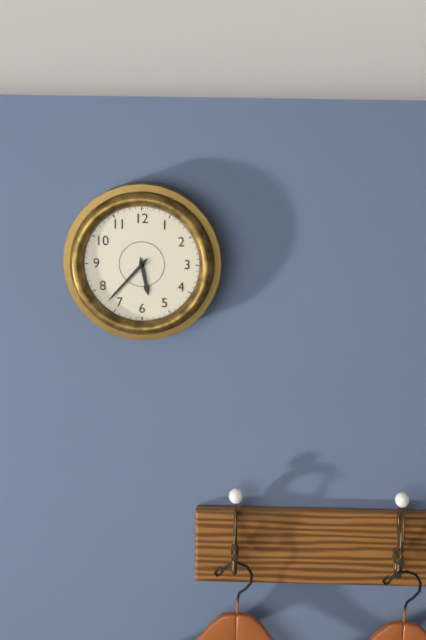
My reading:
{"hour": 5, "minute": 37}
